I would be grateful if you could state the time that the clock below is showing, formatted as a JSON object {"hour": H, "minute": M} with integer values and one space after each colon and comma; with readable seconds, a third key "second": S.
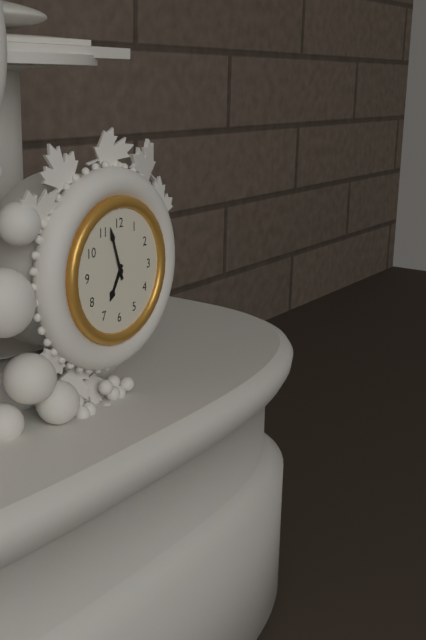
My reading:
{"hour": 6, "minute": 57}
